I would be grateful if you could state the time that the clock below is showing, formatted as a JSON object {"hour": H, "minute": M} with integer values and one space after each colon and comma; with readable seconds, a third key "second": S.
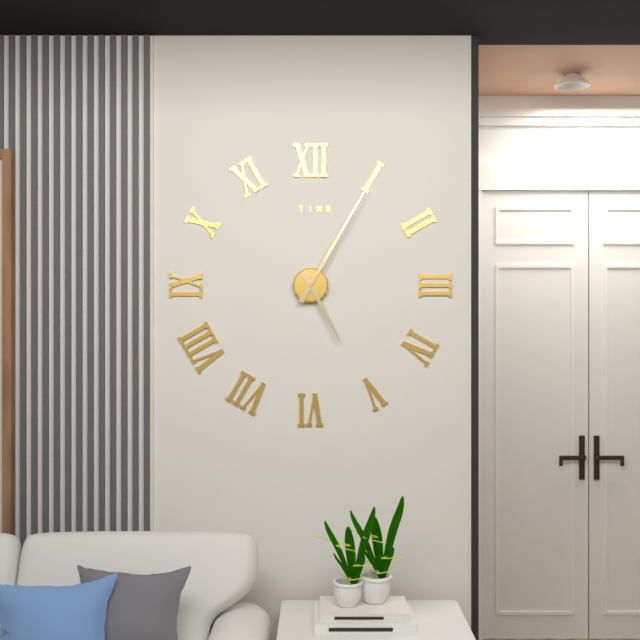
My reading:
{"hour": 5, "minute": 5}
